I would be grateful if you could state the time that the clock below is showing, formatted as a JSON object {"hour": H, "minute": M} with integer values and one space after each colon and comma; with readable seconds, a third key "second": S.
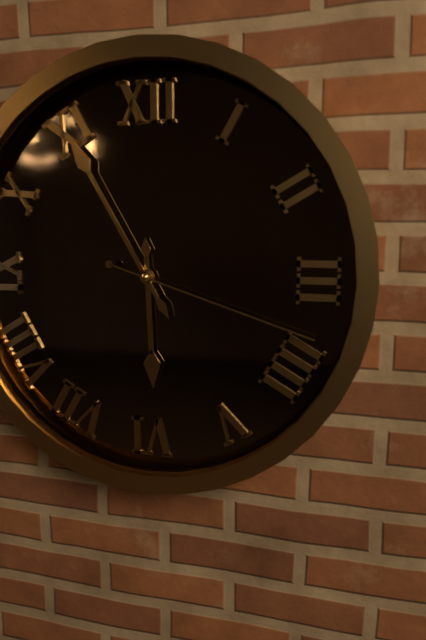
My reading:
{"hour": 5, "minute": 55, "second": 18}
